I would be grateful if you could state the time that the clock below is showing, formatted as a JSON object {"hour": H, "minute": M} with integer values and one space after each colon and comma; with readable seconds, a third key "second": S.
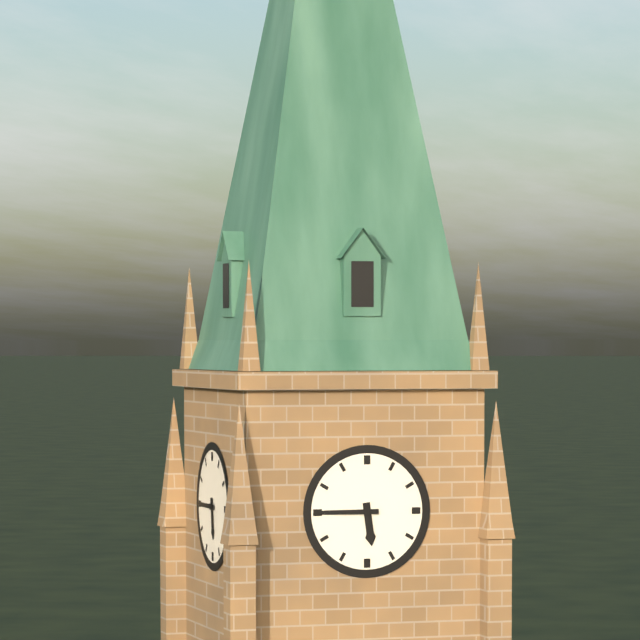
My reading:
{"hour": 5, "minute": 45}
